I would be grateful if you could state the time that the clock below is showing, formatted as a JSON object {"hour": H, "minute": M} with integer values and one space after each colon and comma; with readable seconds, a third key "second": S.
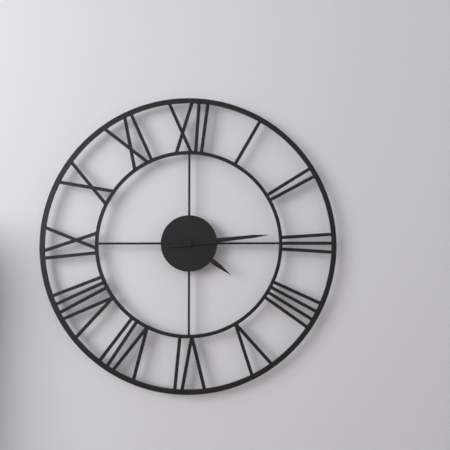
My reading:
{"hour": 4, "minute": 14, "second": 15}
